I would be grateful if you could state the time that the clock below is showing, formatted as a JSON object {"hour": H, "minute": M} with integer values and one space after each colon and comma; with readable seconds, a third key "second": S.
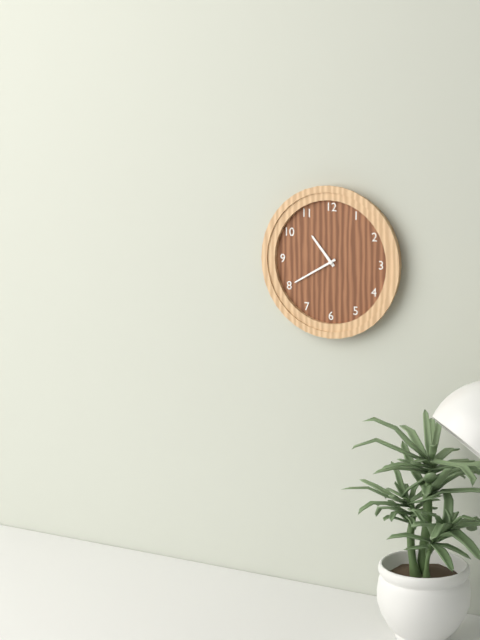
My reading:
{"hour": 10, "minute": 40}
